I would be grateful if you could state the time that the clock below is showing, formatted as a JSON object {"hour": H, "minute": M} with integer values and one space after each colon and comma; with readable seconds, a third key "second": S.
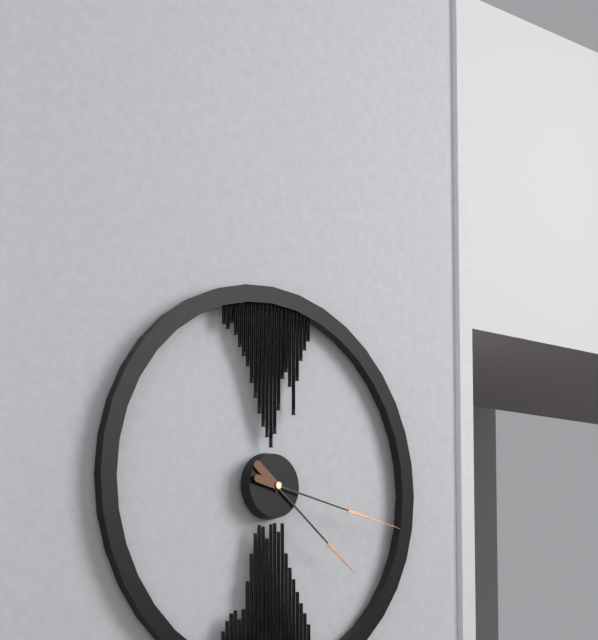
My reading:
{"hour": 4, "minute": 17}
